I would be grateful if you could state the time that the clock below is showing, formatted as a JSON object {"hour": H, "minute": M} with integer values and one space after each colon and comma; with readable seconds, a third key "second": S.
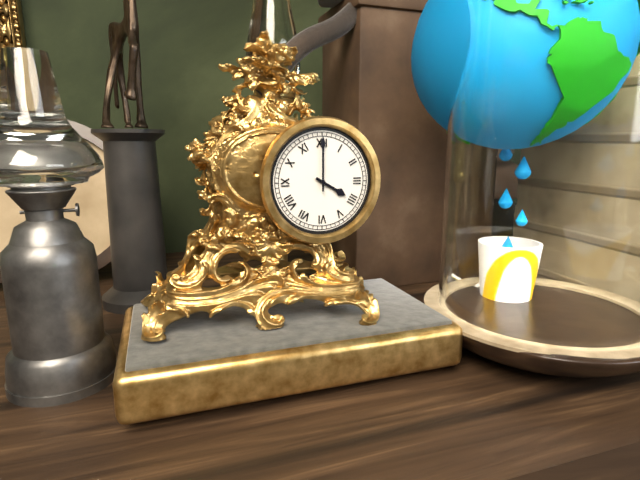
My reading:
{"hour": 4, "minute": 0}
